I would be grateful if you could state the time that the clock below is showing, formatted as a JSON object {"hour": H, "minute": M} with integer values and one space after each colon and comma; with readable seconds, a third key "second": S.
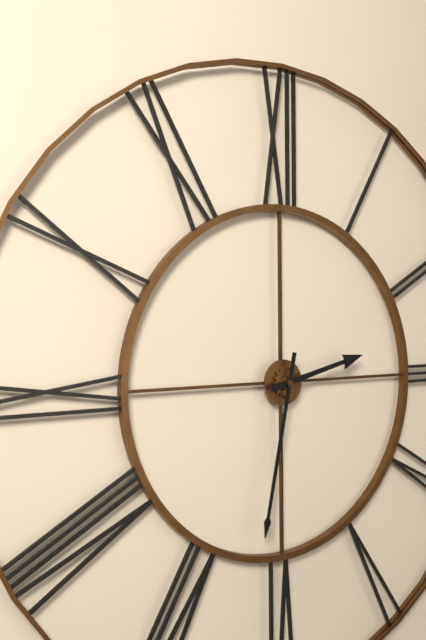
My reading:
{"hour": 2, "minute": 32}
